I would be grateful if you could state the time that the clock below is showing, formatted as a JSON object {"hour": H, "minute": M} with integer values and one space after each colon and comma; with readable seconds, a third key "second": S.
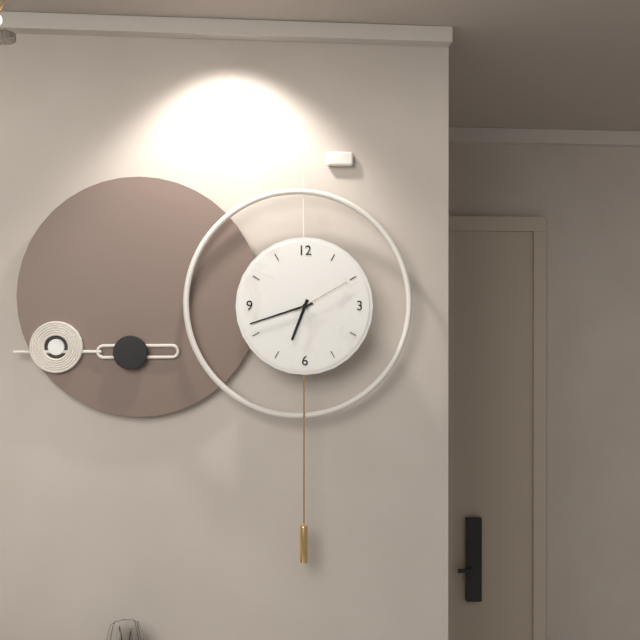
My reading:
{"hour": 6, "minute": 42, "second": 10}
